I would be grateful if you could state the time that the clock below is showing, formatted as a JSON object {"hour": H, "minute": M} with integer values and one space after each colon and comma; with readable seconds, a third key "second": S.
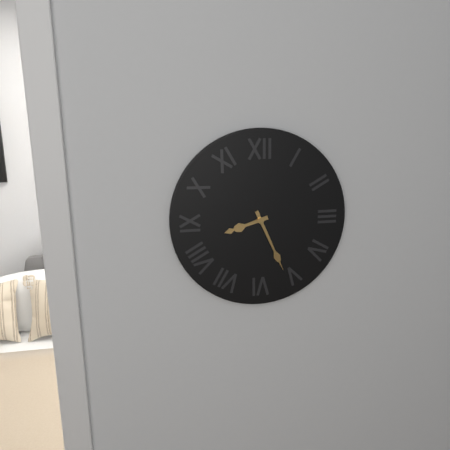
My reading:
{"hour": 8, "minute": 26}
